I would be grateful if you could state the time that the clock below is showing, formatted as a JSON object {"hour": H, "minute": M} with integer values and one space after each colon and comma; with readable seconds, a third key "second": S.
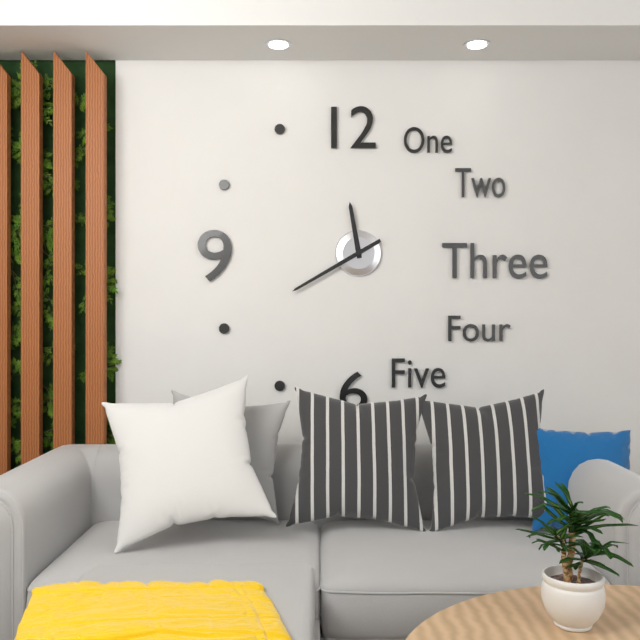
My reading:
{"hour": 11, "minute": 40}
